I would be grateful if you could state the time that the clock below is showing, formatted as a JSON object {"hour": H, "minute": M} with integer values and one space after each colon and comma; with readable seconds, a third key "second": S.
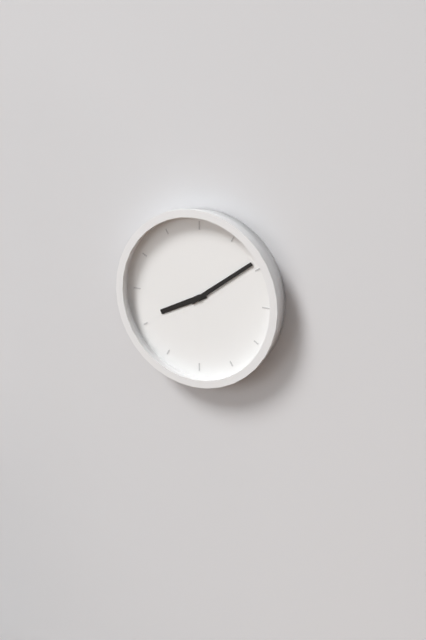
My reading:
{"hour": 8, "minute": 9}
